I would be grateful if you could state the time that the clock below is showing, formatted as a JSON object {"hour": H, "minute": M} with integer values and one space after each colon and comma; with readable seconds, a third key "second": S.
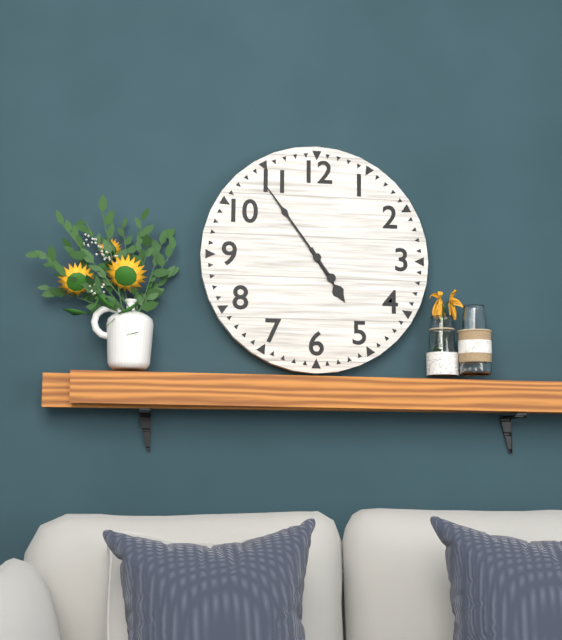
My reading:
{"hour": 4, "minute": 54}
